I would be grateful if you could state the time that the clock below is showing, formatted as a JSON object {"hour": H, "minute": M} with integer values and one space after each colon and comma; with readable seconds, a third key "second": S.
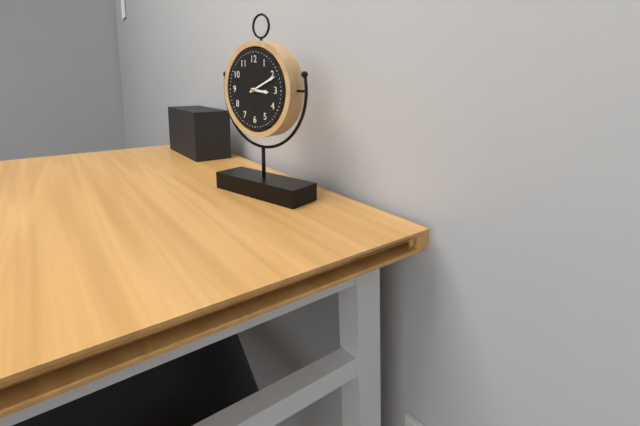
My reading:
{"hour": 3, "minute": 11}
